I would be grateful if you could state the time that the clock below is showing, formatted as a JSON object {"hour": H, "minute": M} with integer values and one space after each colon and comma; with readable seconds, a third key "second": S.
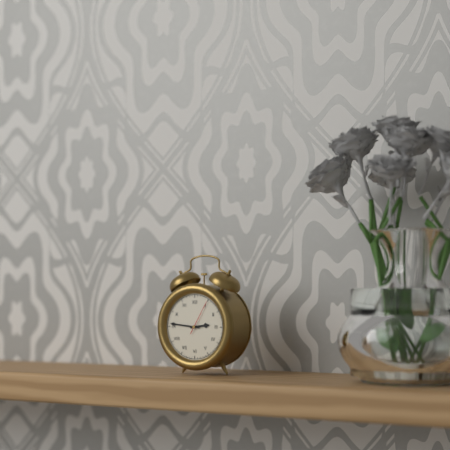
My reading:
{"hour": 2, "minute": 46}
